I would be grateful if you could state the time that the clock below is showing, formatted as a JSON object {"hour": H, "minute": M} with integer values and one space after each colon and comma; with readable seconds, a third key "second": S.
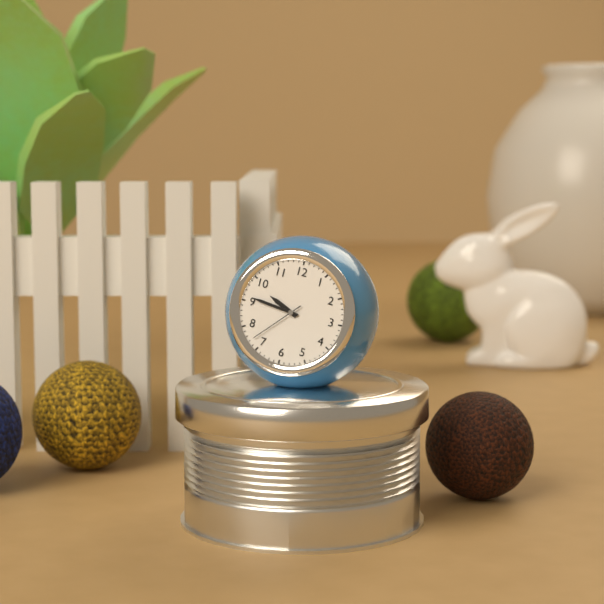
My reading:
{"hour": 9, "minute": 46, "second": 37}
